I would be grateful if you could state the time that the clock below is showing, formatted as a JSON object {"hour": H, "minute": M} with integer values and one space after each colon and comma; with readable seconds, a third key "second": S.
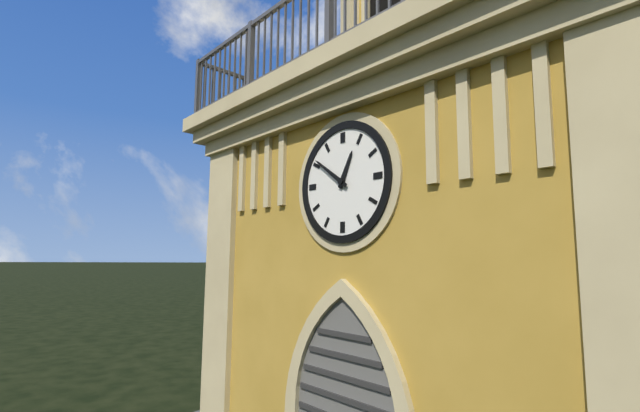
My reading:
{"hour": 12, "minute": 51}
